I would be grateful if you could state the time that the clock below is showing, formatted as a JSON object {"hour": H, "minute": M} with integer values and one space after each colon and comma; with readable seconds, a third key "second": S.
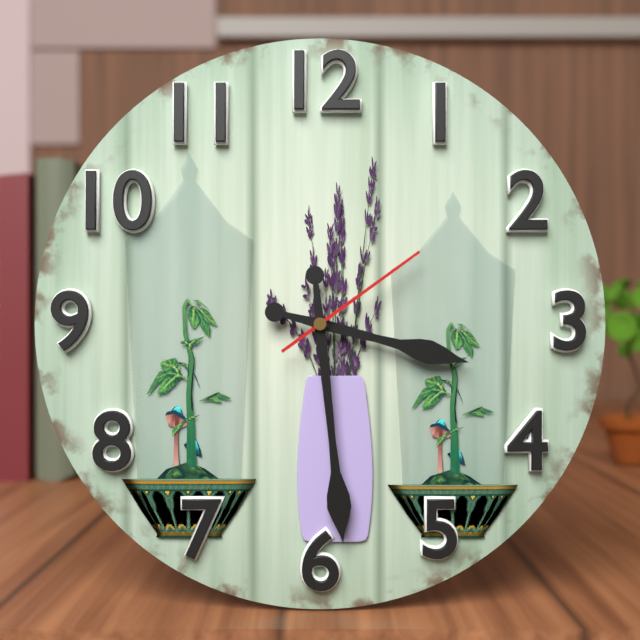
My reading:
{"hour": 3, "minute": 29, "second": 9}
